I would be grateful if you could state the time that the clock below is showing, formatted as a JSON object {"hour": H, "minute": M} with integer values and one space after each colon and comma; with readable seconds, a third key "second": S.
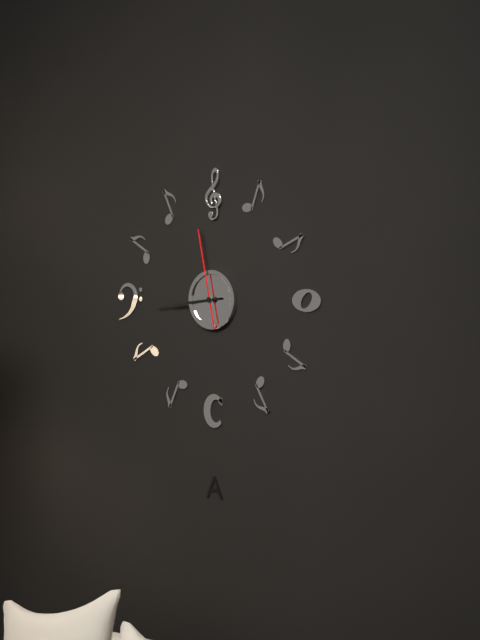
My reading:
{"hour": 8, "minute": 44, "second": 58}
